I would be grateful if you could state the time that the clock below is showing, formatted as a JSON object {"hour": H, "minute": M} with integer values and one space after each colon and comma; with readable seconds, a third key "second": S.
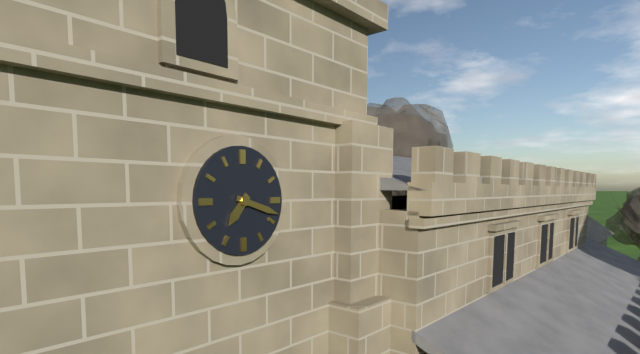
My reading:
{"hour": 7, "minute": 18}
